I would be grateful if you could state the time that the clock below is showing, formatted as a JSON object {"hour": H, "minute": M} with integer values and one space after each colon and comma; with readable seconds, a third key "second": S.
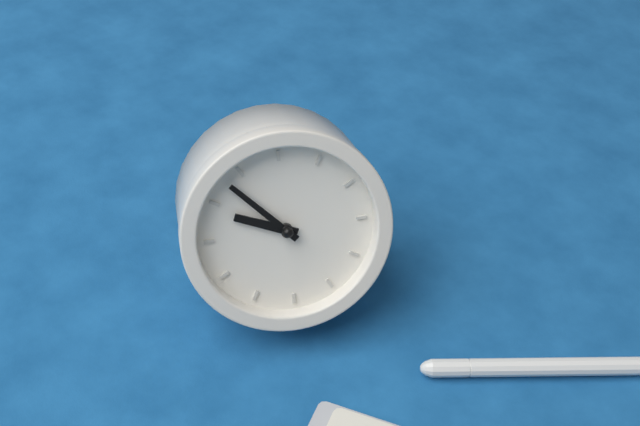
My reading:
{"hour": 8, "minute": 48}
